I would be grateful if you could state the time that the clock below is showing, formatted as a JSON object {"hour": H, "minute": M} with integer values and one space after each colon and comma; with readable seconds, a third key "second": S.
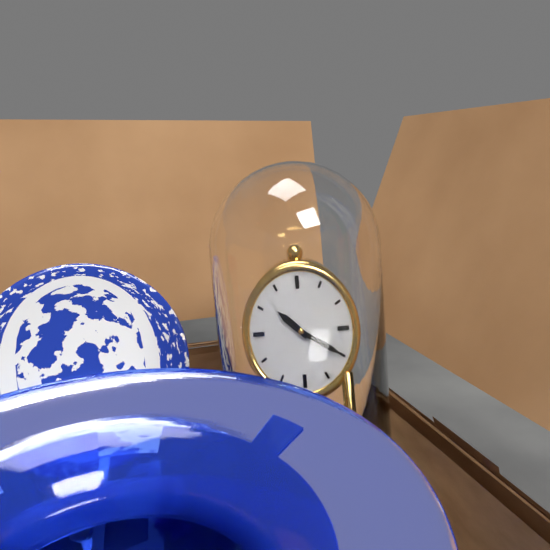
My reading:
{"hour": 10, "minute": 20}
